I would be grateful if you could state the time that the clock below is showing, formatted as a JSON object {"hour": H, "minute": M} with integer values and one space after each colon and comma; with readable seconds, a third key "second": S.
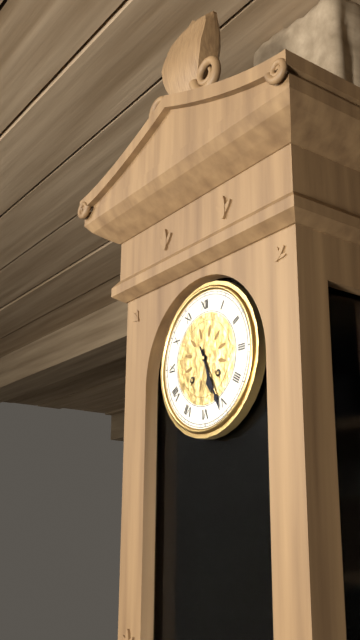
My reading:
{"hour": 5, "minute": 26}
